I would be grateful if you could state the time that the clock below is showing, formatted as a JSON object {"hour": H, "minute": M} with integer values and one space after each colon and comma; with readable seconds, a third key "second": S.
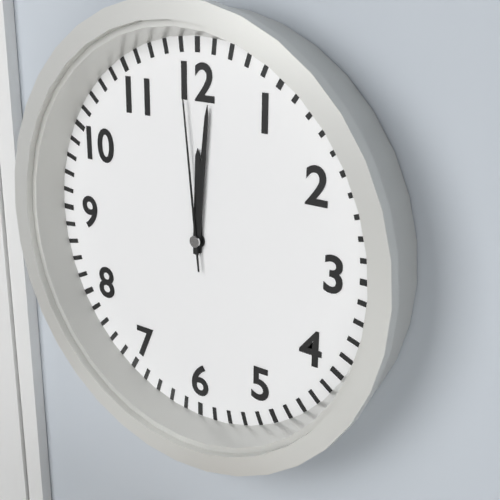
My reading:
{"hour": 12, "minute": 1, "second": 59}
